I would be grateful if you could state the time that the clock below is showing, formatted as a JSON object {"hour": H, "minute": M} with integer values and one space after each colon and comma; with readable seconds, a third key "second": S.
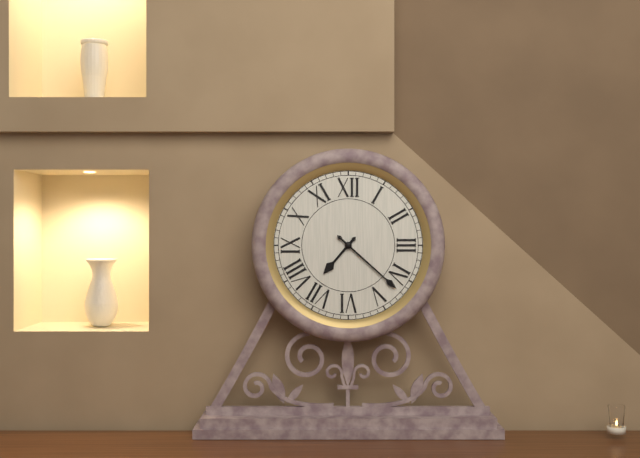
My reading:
{"hour": 7, "minute": 22}
